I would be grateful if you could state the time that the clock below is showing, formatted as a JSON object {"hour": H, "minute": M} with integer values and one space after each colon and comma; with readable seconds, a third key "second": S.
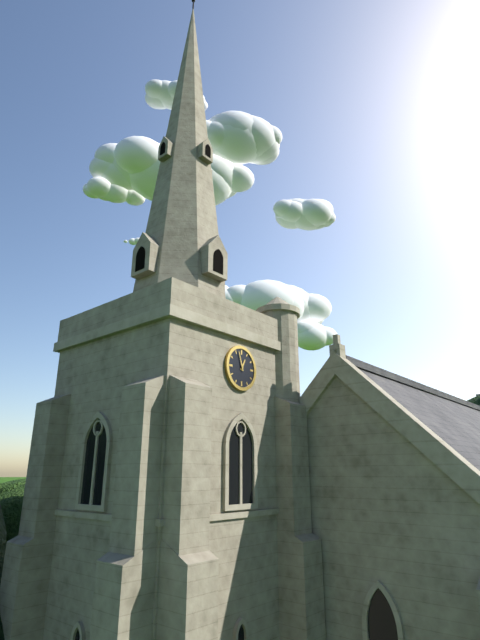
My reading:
{"hour": 12, "minute": 57}
